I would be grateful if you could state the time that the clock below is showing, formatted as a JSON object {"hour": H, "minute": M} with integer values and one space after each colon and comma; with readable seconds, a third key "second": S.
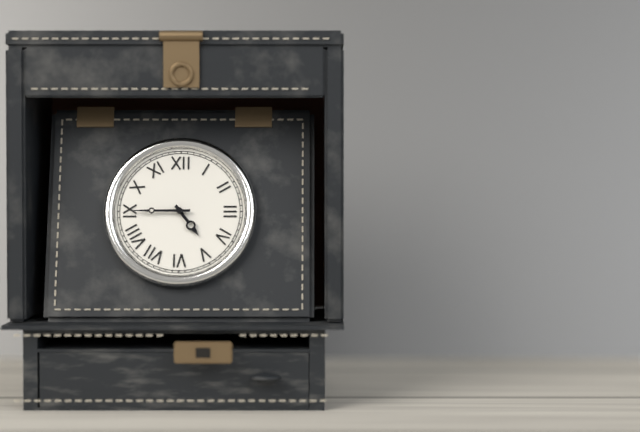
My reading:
{"hour": 4, "minute": 45}
